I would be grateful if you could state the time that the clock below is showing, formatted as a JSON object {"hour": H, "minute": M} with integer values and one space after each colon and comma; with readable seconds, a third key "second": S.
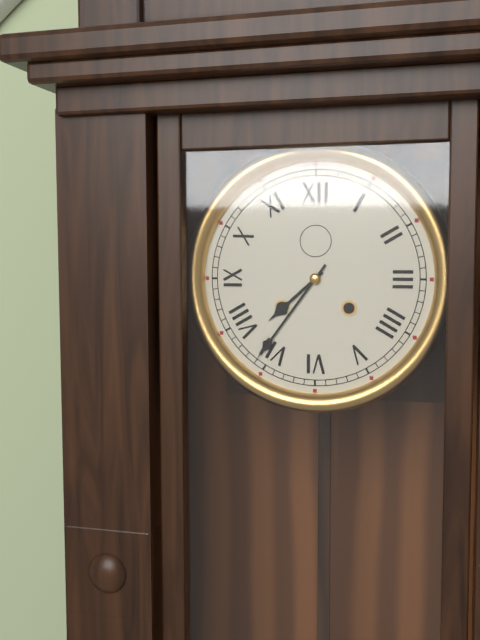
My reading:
{"hour": 7, "minute": 36}
